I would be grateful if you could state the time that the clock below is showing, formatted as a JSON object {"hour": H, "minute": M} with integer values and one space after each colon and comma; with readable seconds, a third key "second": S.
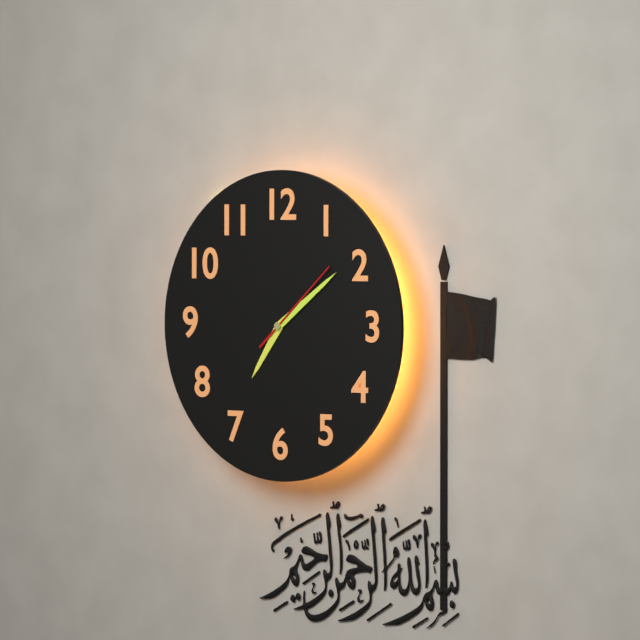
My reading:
{"hour": 7, "minute": 9, "second": 8}
